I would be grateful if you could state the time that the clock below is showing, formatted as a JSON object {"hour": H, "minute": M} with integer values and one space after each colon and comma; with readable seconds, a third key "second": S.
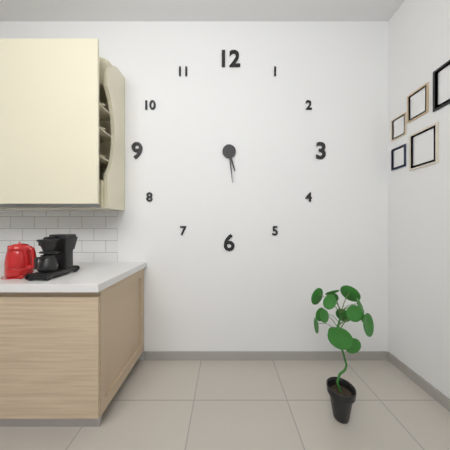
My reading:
{"hour": 5, "minute": 29}
